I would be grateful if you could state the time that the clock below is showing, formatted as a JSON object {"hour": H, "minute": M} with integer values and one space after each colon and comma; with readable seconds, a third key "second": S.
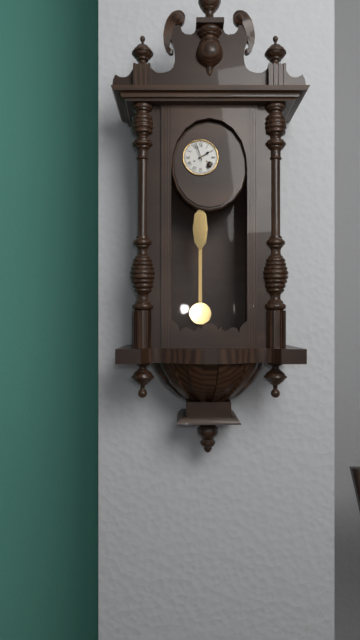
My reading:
{"hour": 1, "minute": 57}
